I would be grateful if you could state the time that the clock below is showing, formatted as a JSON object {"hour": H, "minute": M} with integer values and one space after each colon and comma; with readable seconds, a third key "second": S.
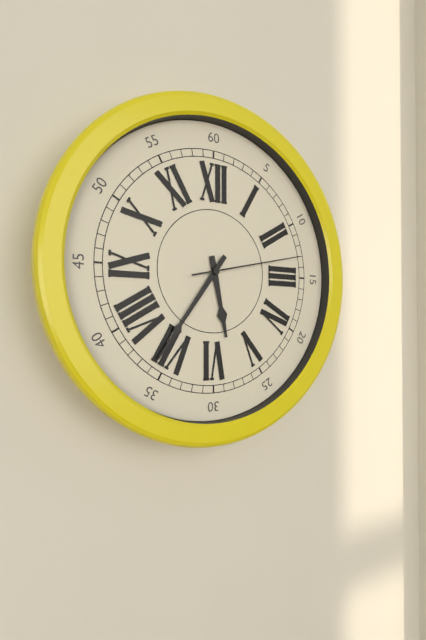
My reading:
{"hour": 5, "minute": 36, "second": 13}
